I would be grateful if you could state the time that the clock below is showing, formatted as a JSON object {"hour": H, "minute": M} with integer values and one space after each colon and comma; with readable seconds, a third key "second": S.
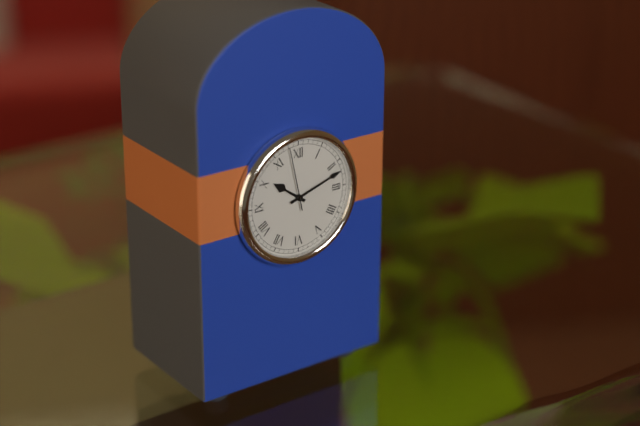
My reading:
{"hour": 10, "minute": 12, "second": 58}
